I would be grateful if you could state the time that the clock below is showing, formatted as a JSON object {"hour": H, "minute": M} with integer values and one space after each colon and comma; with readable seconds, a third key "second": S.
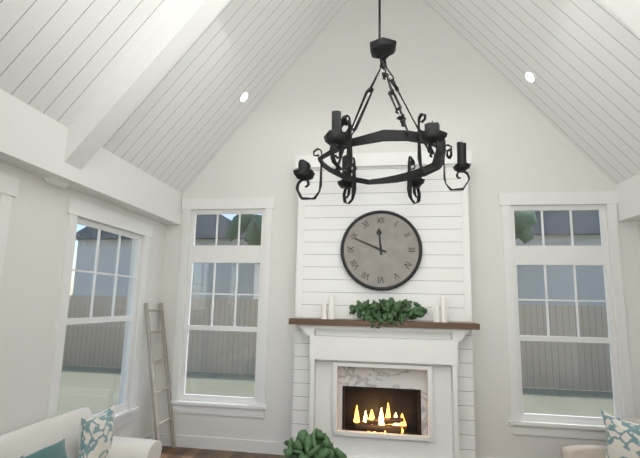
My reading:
{"hour": 11, "minute": 49}
